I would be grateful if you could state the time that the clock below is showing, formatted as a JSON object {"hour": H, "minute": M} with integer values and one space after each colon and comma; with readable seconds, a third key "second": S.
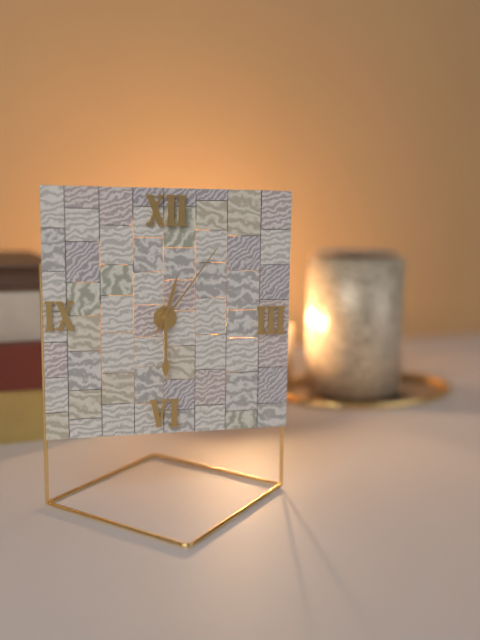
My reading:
{"hour": 12, "minute": 30, "second": 6}
